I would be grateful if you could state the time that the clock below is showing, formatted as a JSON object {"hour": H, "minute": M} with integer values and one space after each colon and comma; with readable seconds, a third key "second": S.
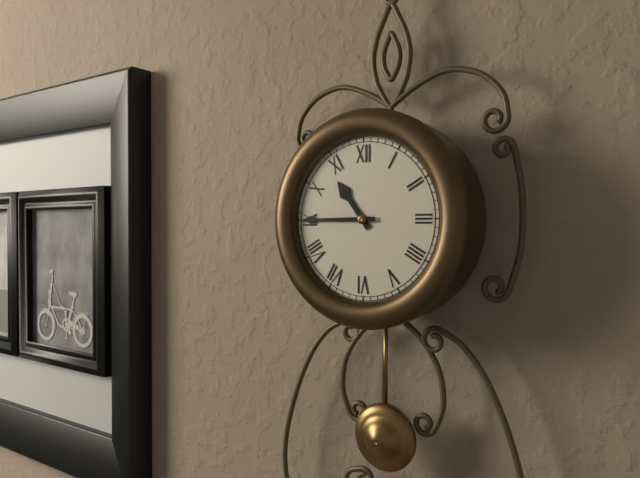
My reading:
{"hour": 10, "minute": 45}
